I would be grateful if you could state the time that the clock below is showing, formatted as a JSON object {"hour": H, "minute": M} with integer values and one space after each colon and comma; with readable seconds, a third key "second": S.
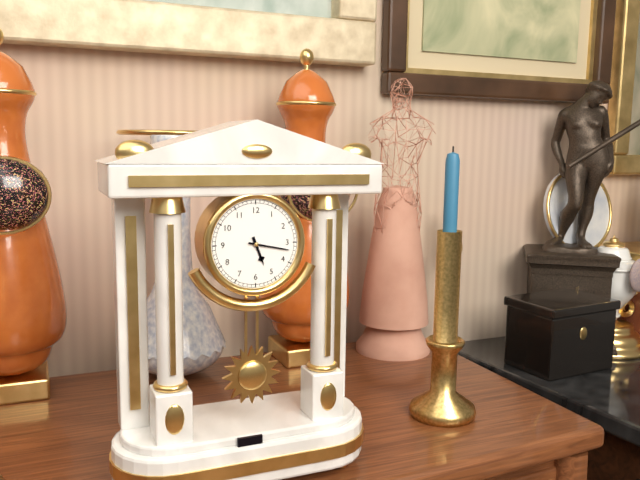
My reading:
{"hour": 5, "minute": 17}
